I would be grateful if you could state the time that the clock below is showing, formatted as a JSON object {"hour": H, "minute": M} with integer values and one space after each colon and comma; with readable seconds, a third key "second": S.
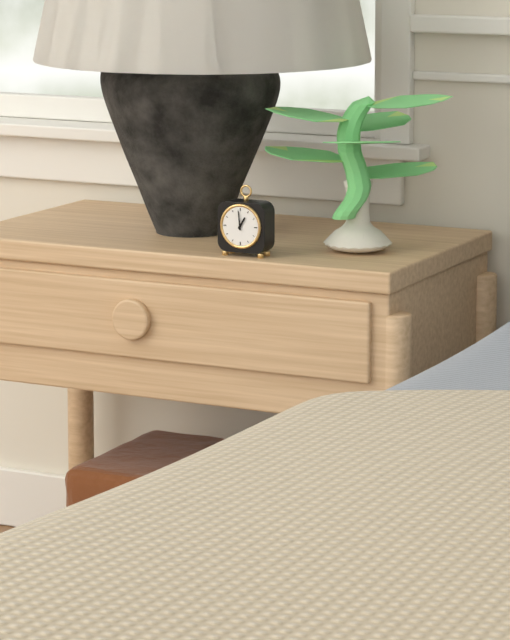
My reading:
{"hour": 12, "minute": 59}
